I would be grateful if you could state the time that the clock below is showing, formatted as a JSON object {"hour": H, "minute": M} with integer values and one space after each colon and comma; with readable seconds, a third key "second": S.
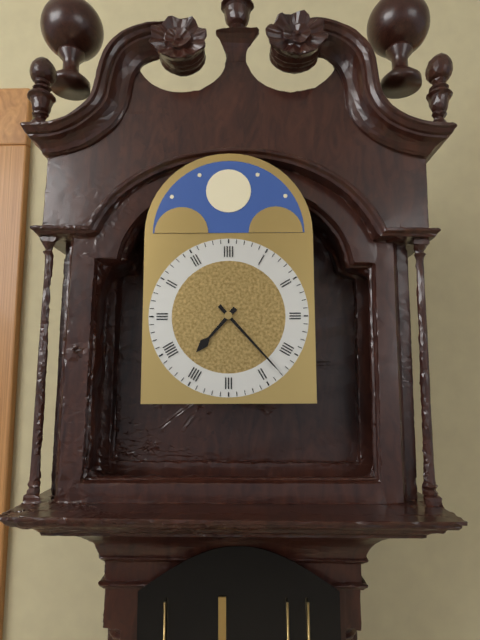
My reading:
{"hour": 7, "minute": 23}
